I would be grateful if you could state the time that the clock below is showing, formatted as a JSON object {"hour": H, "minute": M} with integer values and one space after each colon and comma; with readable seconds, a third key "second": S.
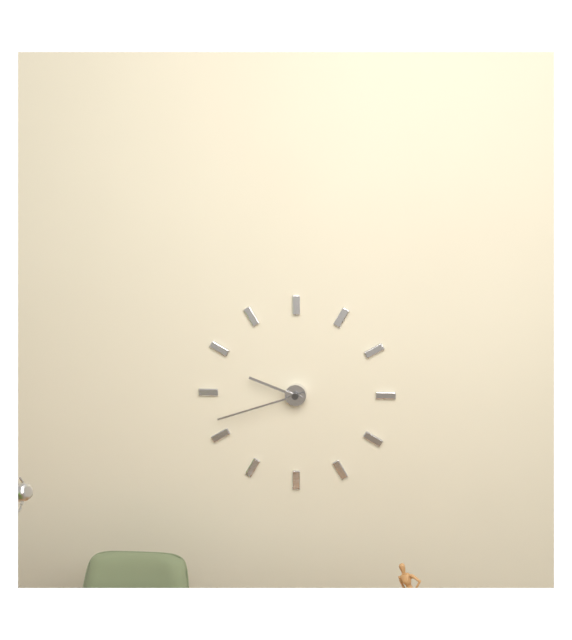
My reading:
{"hour": 9, "minute": 42}
